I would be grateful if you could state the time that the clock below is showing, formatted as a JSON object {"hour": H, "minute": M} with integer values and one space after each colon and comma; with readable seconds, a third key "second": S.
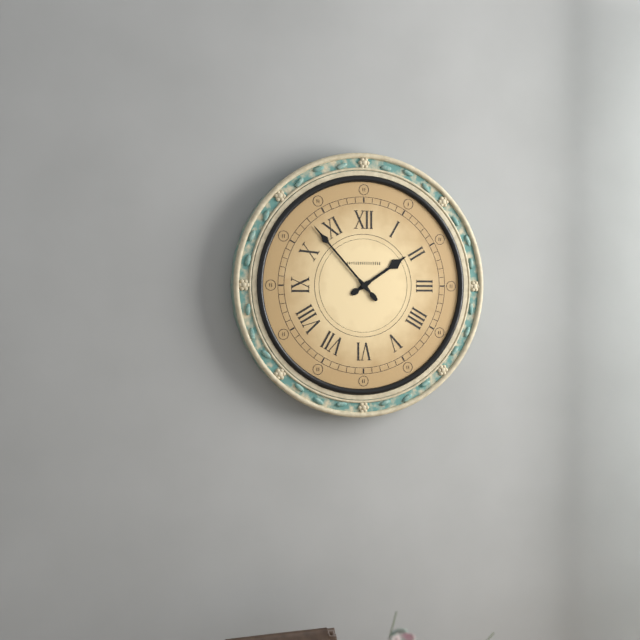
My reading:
{"hour": 1, "minute": 53}
